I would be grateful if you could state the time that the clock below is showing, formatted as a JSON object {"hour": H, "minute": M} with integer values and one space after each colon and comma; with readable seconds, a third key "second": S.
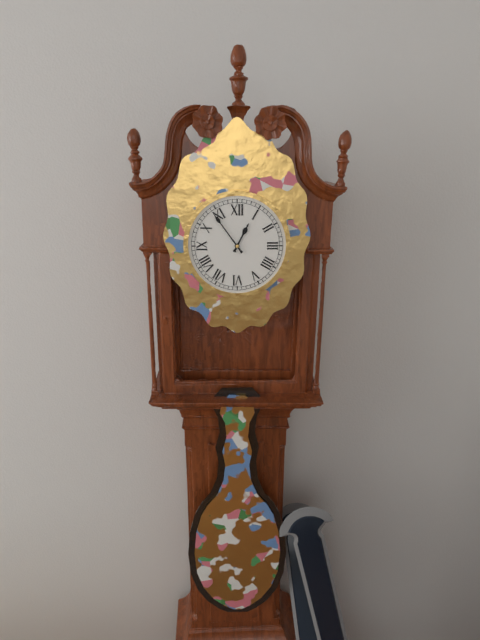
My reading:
{"hour": 12, "minute": 54}
